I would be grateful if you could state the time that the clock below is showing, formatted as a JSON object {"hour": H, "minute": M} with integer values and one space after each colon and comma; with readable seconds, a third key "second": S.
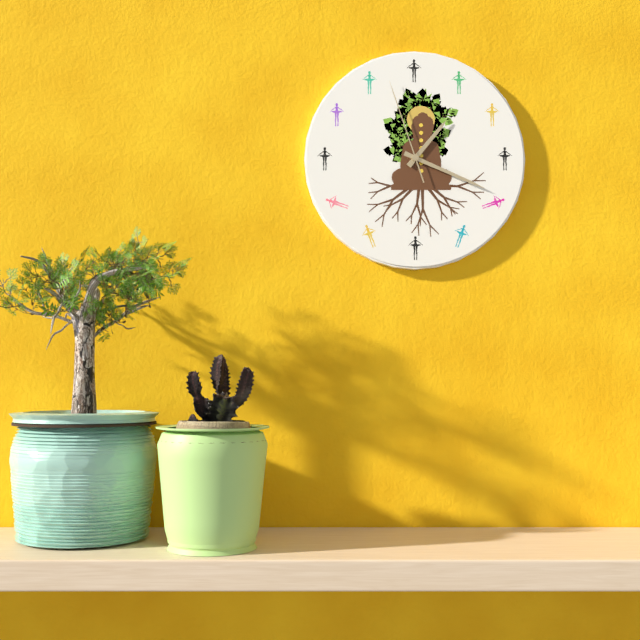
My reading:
{"hour": 1, "minute": 19, "second": 57}
